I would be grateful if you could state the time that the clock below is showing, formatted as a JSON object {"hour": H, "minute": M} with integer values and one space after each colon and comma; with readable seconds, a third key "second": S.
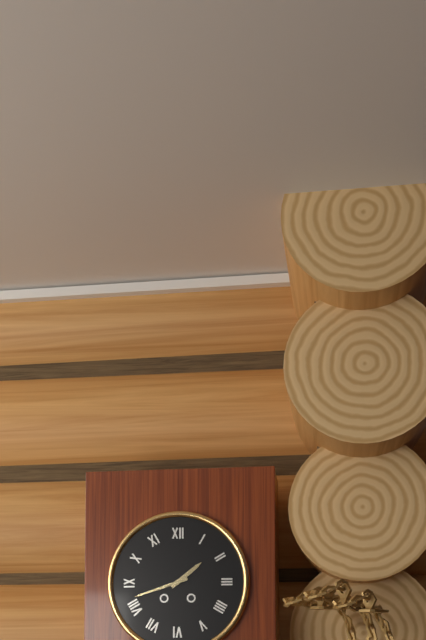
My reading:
{"hour": 1, "minute": 42}
